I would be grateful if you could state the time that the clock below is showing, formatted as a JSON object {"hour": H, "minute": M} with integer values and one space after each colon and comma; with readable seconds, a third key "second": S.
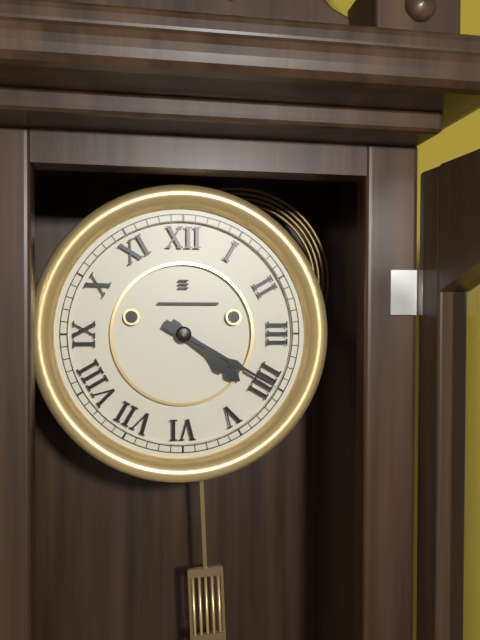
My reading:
{"hour": 4, "minute": 20}
